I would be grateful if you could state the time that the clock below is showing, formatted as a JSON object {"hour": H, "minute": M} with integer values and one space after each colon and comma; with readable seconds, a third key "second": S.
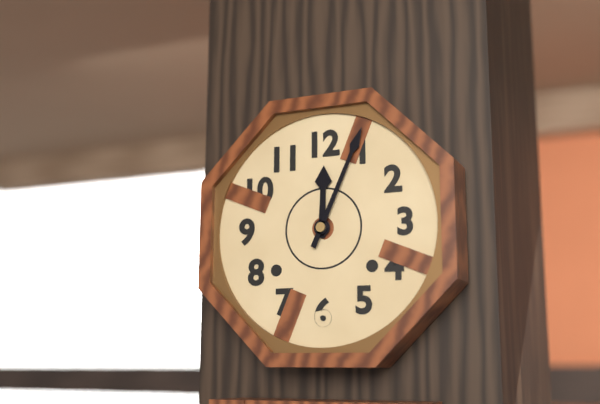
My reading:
{"hour": 12, "minute": 4}
